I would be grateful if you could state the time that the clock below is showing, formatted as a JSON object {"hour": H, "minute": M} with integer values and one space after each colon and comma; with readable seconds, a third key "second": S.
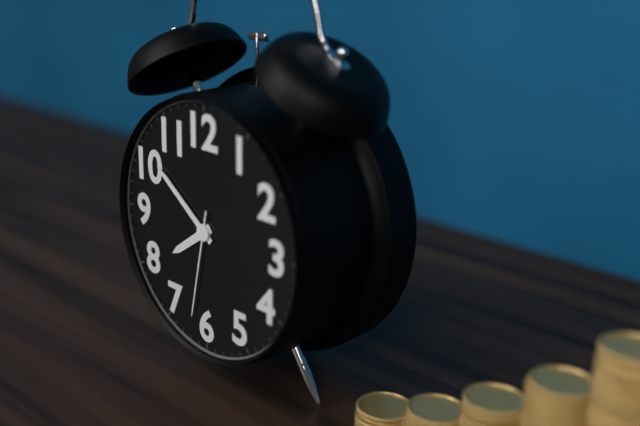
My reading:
{"hour": 7, "minute": 51, "second": 32}
